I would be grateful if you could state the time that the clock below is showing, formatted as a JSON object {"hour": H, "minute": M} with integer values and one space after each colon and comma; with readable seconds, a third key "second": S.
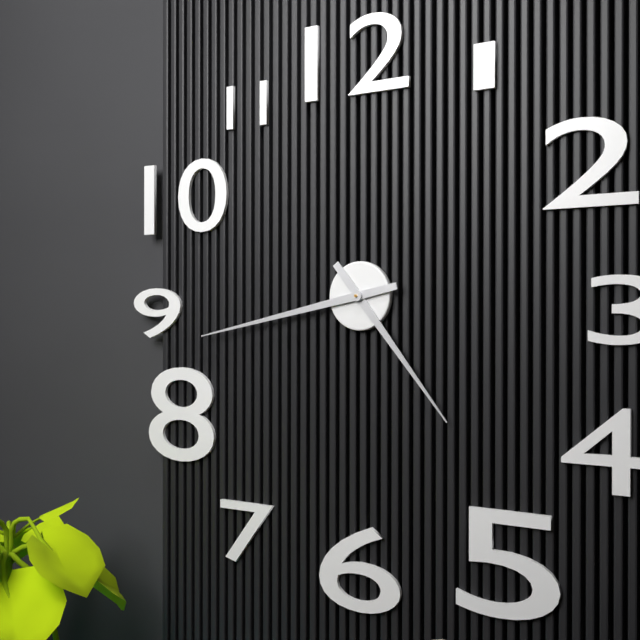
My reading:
{"hour": 4, "minute": 43}
